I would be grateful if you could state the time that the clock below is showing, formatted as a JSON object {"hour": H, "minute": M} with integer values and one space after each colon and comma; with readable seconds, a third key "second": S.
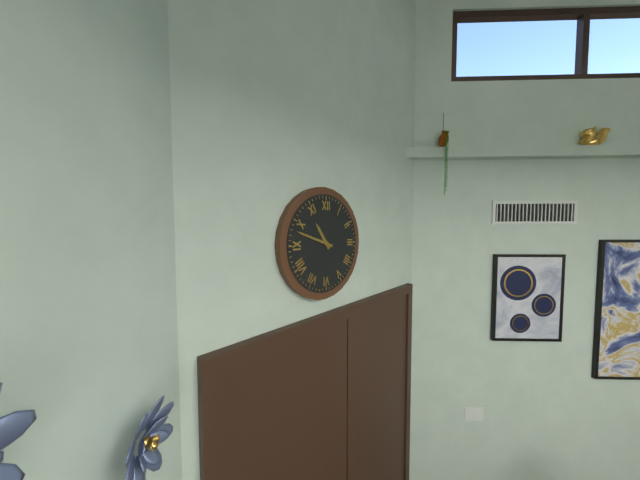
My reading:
{"hour": 10, "minute": 48}
